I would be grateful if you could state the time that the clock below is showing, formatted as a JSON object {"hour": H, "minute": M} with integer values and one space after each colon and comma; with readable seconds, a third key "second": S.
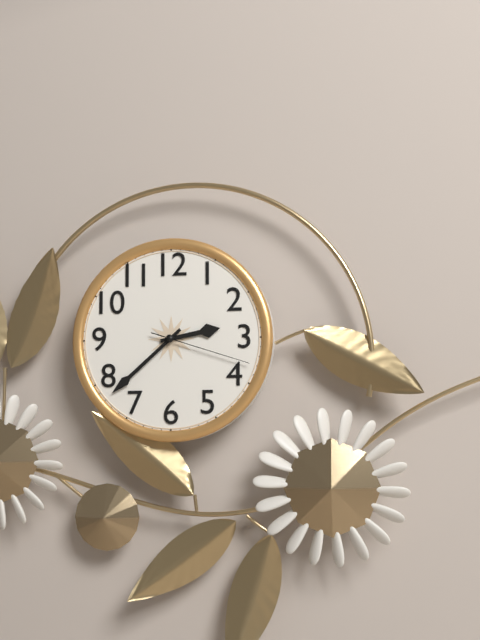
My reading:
{"hour": 2, "minute": 38, "second": 18}
